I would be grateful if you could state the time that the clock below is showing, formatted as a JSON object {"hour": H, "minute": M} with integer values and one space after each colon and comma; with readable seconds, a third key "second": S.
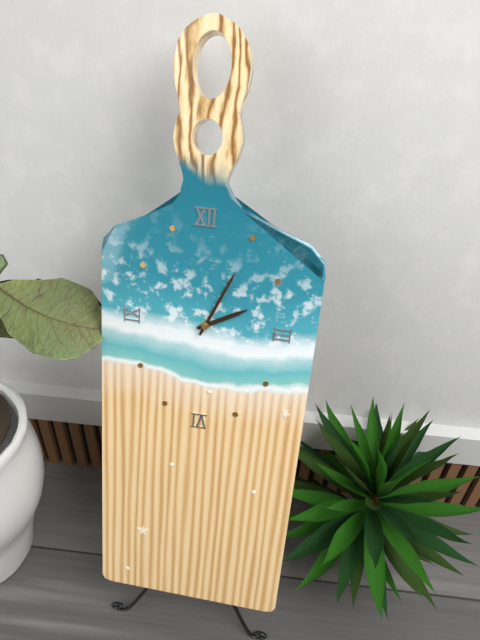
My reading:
{"hour": 2, "minute": 4}
